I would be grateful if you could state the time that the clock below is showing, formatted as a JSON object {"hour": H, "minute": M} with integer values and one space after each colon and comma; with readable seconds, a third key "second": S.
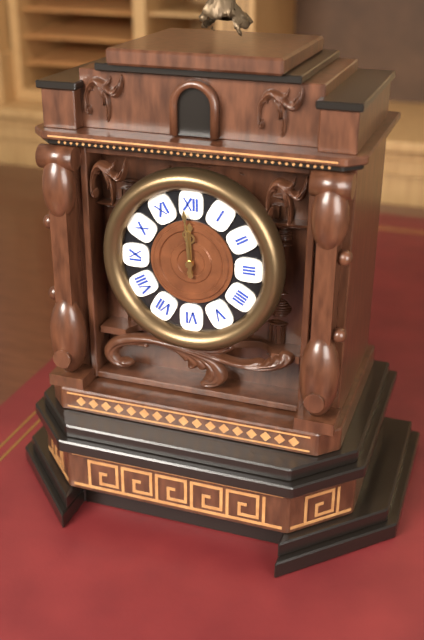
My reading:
{"hour": 11, "minute": 59}
